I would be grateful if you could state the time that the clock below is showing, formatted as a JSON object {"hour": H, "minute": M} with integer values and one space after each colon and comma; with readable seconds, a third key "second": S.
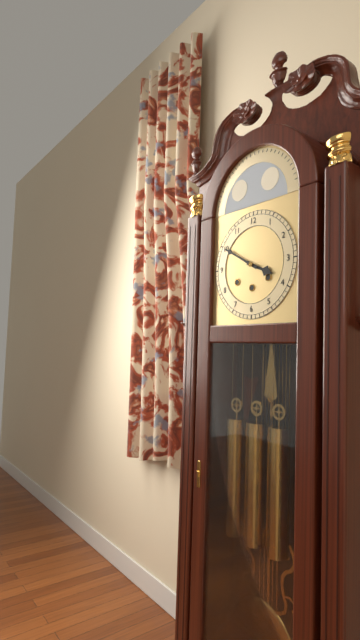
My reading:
{"hour": 3, "minute": 50}
